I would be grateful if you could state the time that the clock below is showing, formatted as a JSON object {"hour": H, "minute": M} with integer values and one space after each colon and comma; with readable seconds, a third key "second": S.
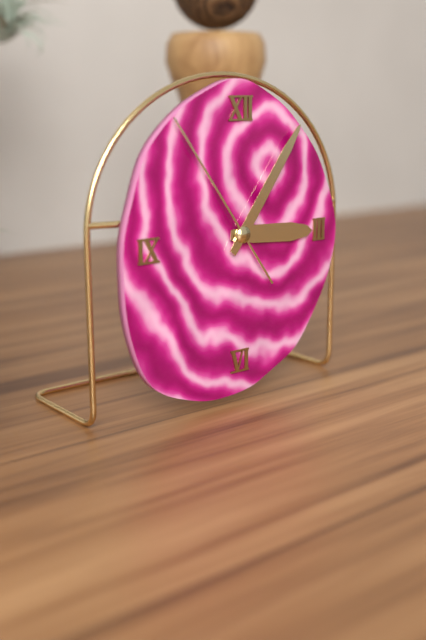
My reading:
{"hour": 3, "minute": 6, "second": 54}
